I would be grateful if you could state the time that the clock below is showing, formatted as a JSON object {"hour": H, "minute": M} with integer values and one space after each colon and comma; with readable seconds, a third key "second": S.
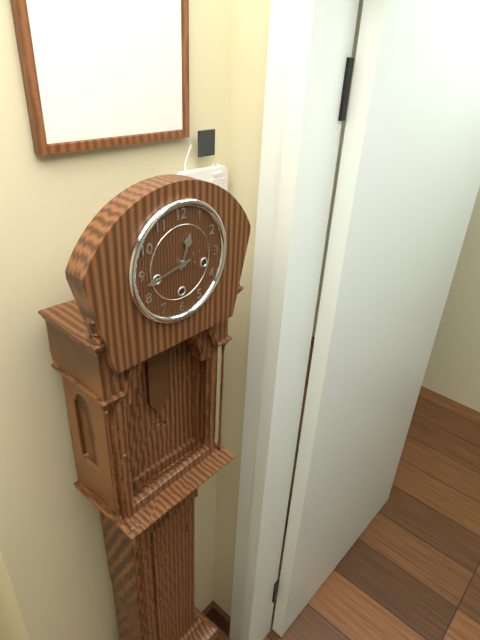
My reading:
{"hour": 12, "minute": 43}
